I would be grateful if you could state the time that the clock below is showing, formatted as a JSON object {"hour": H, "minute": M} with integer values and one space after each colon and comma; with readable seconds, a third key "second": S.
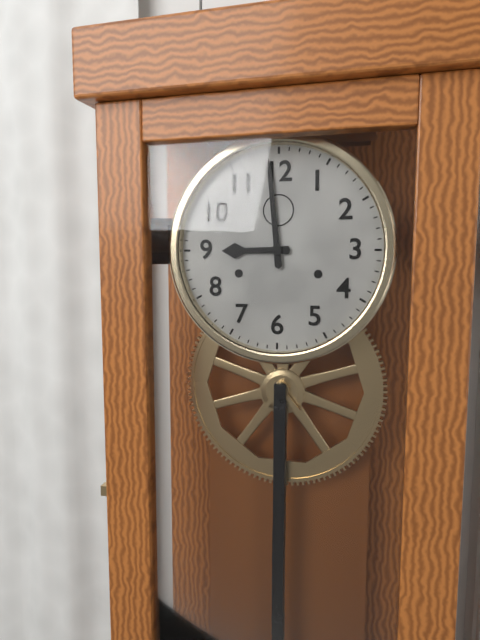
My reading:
{"hour": 8, "minute": 59}
